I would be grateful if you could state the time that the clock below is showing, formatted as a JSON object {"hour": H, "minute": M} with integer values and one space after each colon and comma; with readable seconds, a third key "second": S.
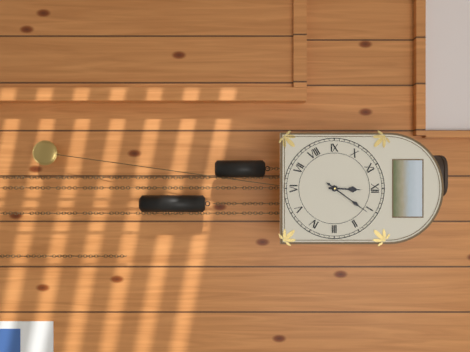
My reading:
{"hour": 12, "minute": 6}
